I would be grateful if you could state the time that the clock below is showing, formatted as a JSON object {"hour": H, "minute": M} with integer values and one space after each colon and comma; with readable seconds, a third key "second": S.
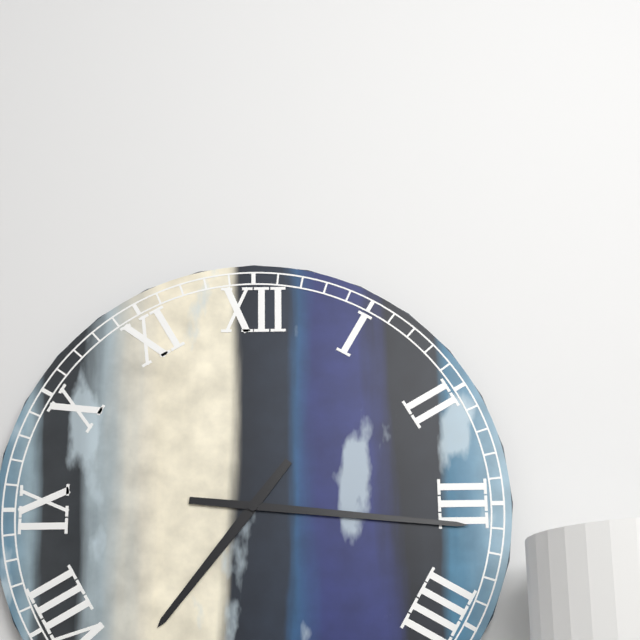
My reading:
{"hour": 7, "minute": 16}
